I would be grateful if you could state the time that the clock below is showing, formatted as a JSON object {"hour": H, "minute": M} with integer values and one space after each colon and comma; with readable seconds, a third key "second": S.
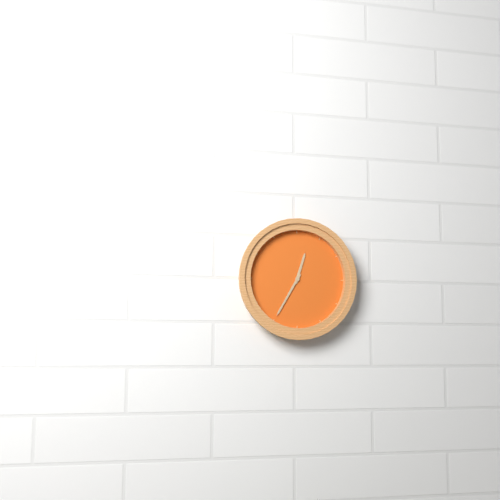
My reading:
{"hour": 12, "minute": 35}
